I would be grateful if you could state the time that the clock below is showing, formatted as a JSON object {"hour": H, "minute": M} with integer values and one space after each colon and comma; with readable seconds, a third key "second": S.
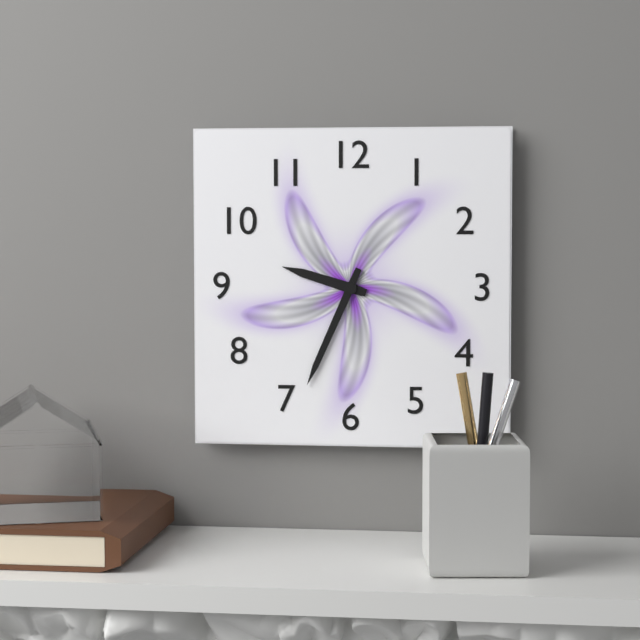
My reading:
{"hour": 9, "minute": 34}
